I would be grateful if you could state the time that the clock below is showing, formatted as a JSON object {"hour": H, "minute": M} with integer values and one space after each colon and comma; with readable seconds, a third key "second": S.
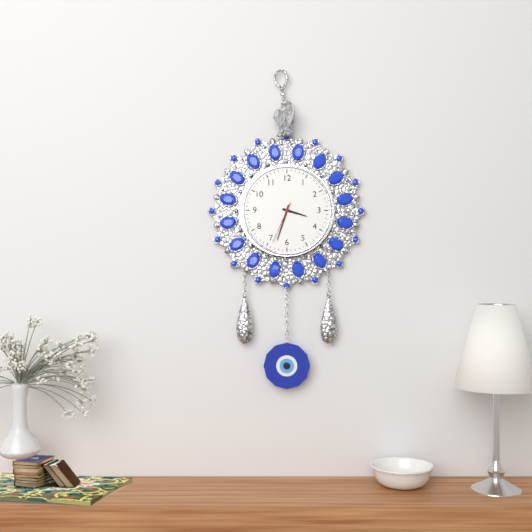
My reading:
{"hour": 3, "minute": 33}
